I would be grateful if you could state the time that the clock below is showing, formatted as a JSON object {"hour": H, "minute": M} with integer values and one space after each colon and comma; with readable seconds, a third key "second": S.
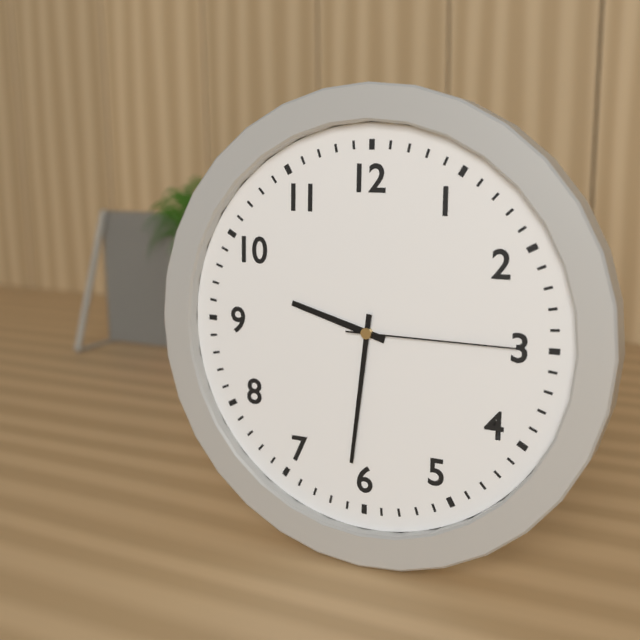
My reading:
{"hour": 9, "minute": 31, "second": 15}
